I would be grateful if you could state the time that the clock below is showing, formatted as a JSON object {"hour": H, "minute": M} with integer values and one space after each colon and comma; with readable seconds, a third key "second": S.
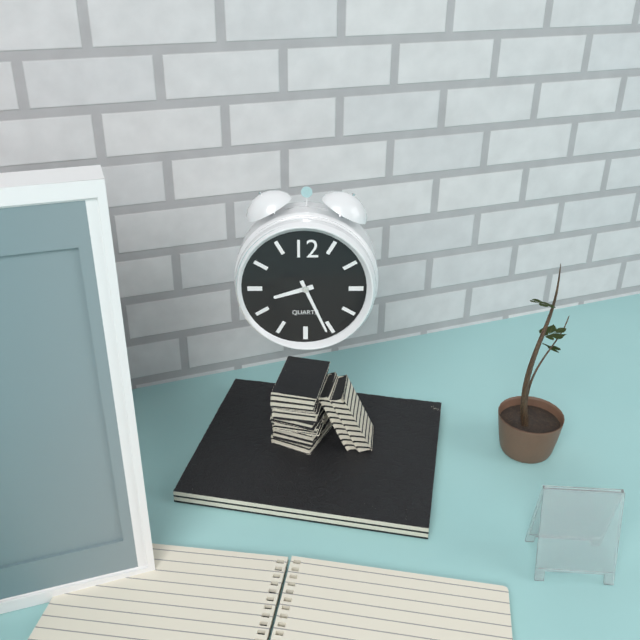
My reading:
{"hour": 8, "minute": 26}
